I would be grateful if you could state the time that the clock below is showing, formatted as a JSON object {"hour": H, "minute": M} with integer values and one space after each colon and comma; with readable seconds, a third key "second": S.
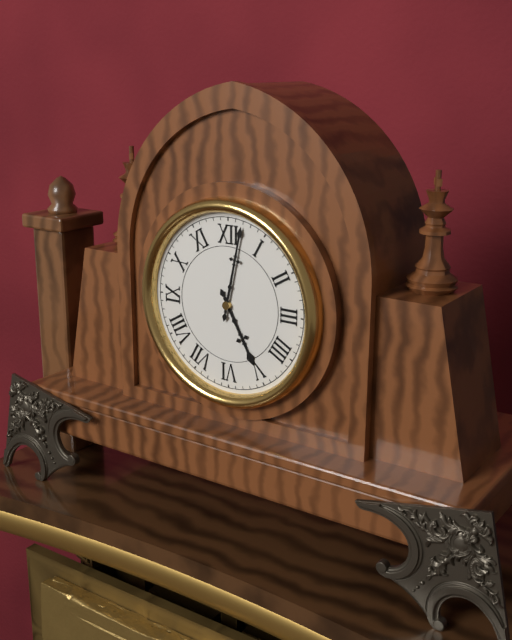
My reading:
{"hour": 5, "minute": 2}
